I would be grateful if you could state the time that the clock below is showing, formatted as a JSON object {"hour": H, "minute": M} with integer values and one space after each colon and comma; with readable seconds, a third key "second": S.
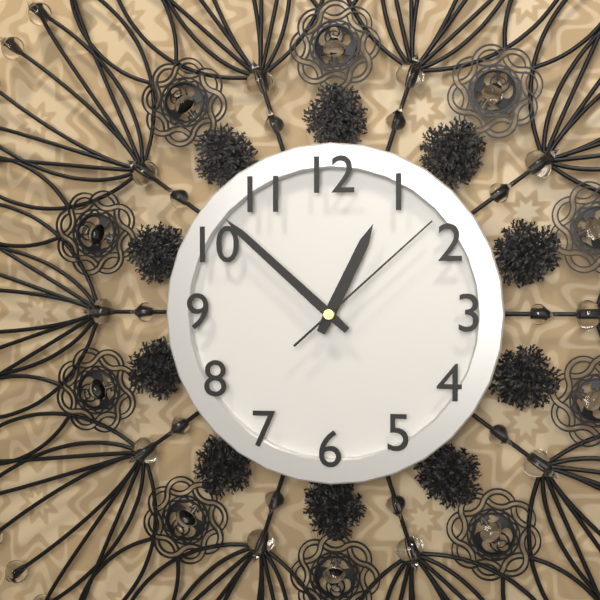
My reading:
{"hour": 12, "minute": 52, "second": 8}
